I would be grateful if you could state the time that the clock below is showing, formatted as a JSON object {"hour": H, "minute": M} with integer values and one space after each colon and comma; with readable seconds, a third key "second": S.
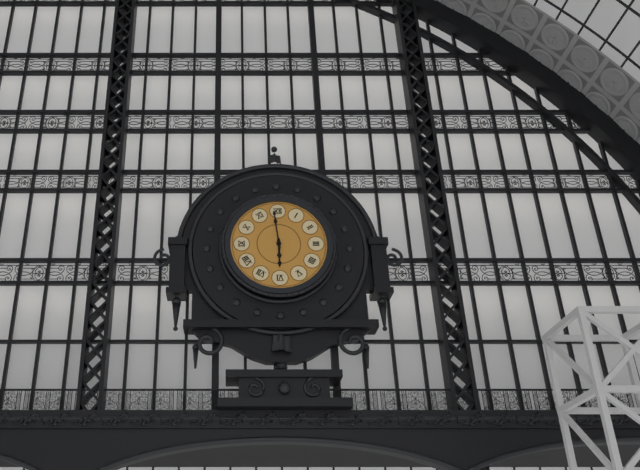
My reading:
{"hour": 5, "minute": 59}
